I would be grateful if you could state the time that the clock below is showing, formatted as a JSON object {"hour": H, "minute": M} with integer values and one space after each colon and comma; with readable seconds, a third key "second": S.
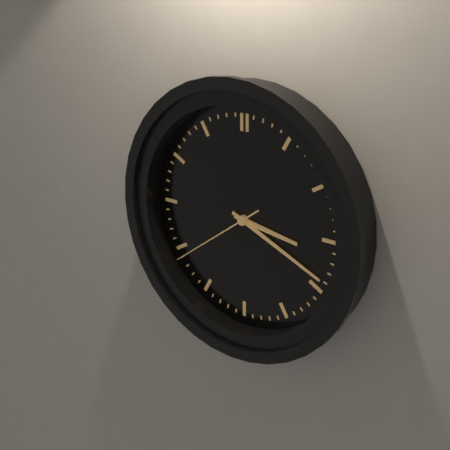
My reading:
{"hour": 3, "minute": 19, "second": 39}
